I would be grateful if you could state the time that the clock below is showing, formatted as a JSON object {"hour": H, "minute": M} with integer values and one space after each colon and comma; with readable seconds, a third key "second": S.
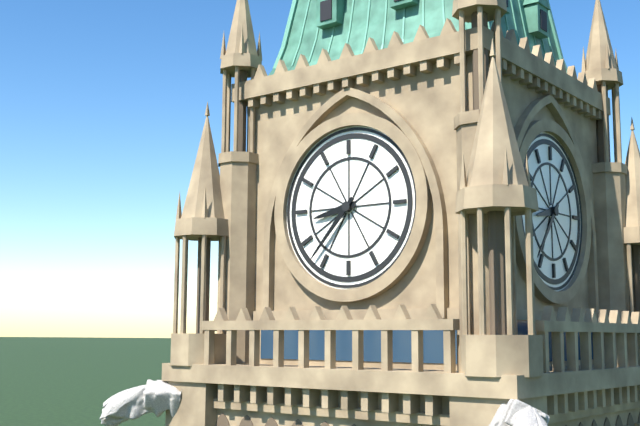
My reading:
{"hour": 8, "minute": 37}
